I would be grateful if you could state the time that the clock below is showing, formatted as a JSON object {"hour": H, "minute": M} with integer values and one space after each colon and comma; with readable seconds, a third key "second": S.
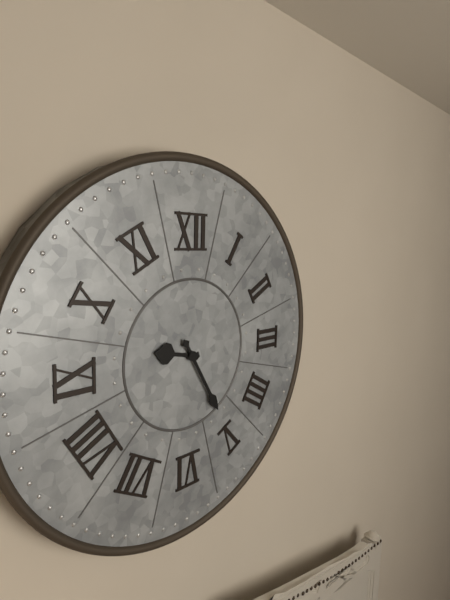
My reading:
{"hour": 9, "minute": 25}
